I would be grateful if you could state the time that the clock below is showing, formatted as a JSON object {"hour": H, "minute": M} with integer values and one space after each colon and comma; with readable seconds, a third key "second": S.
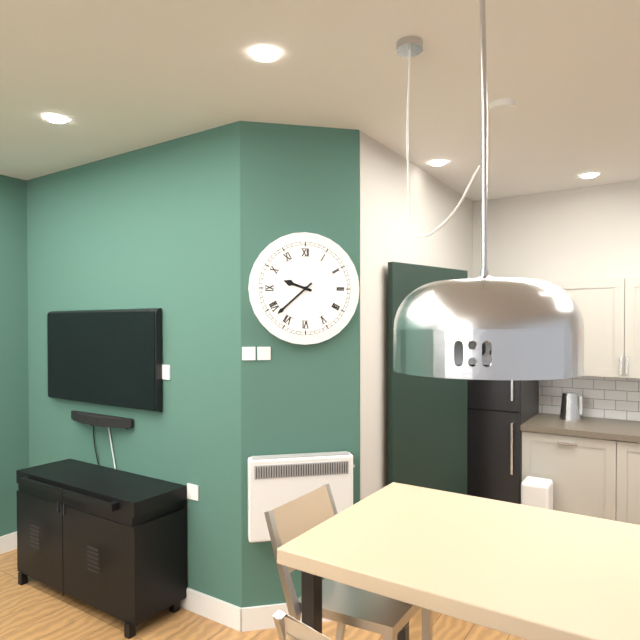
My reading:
{"hour": 9, "minute": 38}
